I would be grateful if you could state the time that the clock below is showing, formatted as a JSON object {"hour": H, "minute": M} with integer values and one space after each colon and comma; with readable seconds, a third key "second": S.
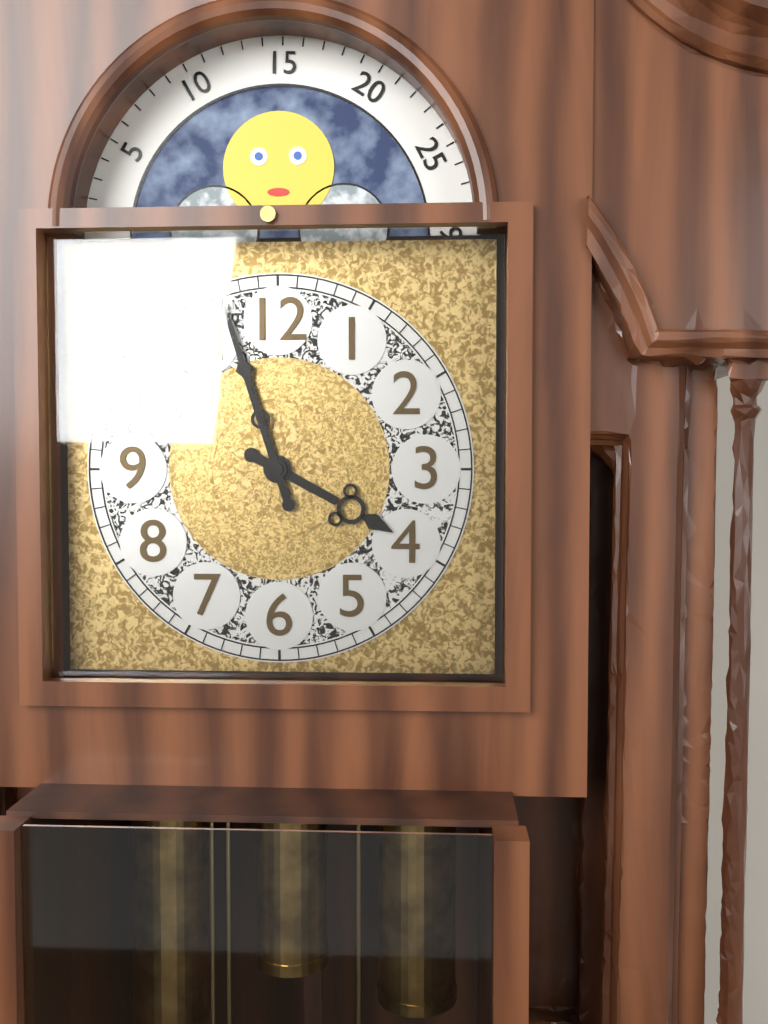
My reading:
{"hour": 3, "minute": 57}
